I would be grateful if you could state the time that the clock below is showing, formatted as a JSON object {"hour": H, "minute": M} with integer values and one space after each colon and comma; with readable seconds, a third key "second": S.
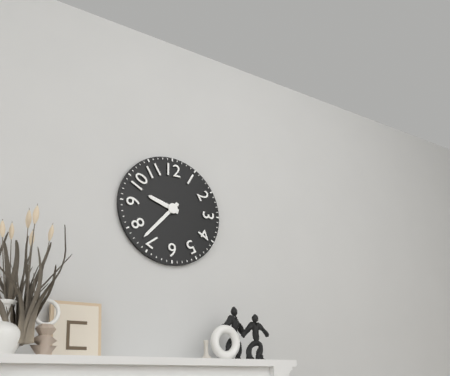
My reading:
{"hour": 9, "minute": 37}
